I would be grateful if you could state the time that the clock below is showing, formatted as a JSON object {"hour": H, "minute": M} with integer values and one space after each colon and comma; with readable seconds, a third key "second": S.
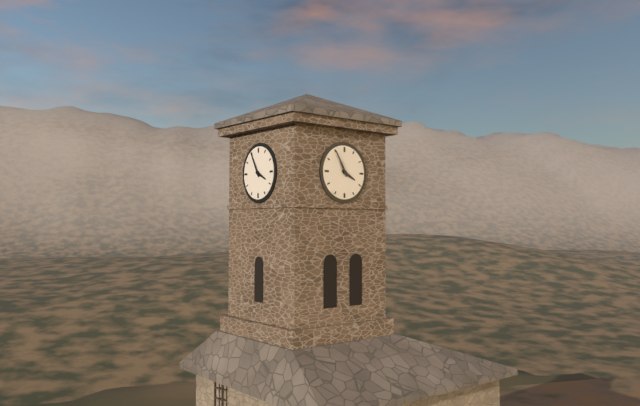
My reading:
{"hour": 3, "minute": 55}
